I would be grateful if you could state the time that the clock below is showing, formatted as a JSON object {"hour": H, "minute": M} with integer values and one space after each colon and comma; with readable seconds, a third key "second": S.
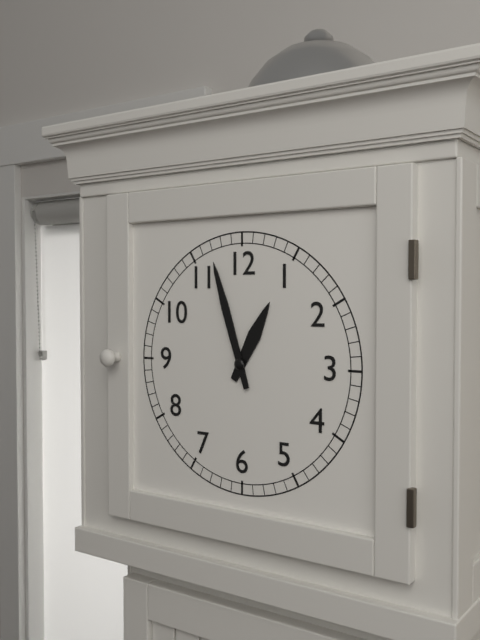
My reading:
{"hour": 12, "minute": 57}
